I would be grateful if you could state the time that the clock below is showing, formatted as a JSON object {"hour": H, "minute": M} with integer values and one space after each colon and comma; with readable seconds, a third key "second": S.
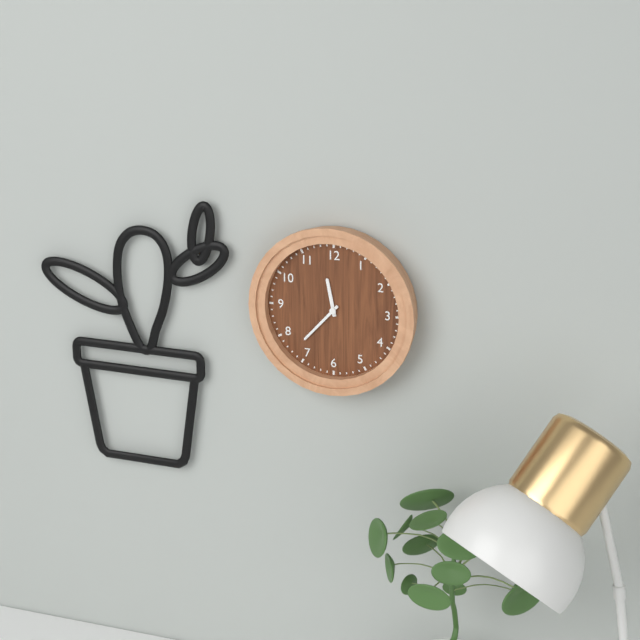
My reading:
{"hour": 11, "minute": 37}
